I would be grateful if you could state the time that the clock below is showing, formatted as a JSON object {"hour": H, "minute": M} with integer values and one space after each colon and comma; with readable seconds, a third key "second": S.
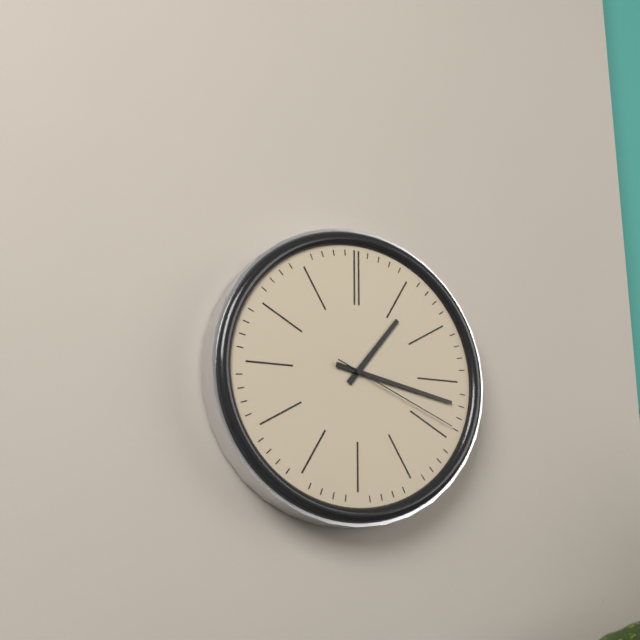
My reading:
{"hour": 1, "minute": 17, "second": 19}
